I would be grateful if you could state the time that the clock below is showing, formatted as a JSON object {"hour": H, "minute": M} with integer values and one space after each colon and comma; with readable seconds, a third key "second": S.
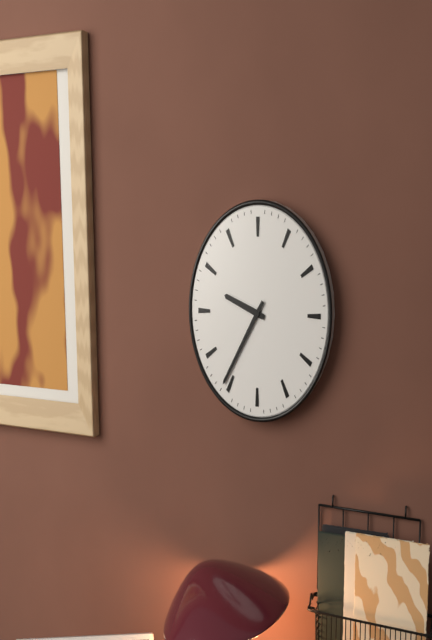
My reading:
{"hour": 9, "minute": 36}
